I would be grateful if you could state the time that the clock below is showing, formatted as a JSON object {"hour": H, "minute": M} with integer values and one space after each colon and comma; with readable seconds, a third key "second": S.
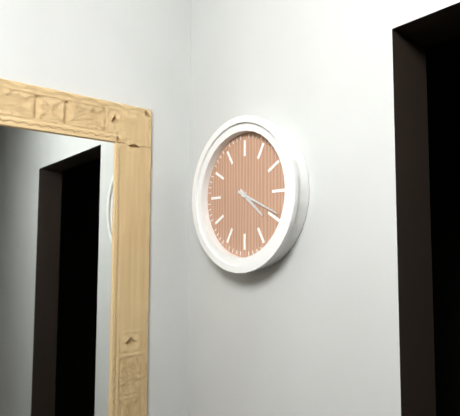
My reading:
{"hour": 4, "minute": 19}
